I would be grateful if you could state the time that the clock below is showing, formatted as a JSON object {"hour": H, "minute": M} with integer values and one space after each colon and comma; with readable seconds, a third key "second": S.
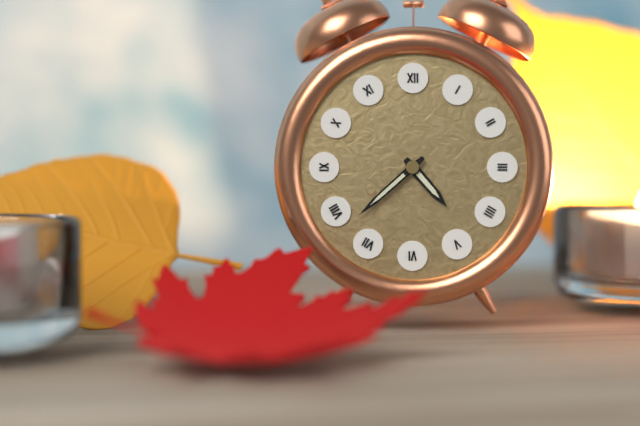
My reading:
{"hour": 4, "minute": 38}
